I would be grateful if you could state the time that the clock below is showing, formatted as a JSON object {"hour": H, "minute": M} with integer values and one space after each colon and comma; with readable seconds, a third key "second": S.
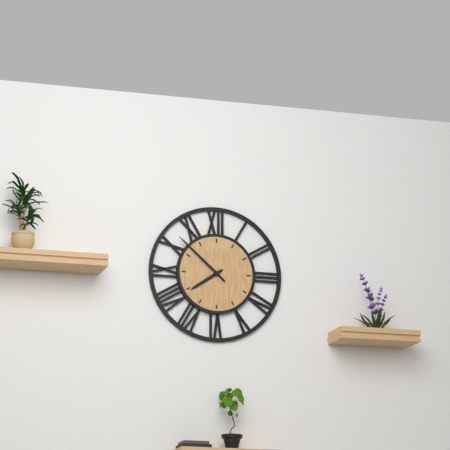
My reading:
{"hour": 7, "minute": 52}
